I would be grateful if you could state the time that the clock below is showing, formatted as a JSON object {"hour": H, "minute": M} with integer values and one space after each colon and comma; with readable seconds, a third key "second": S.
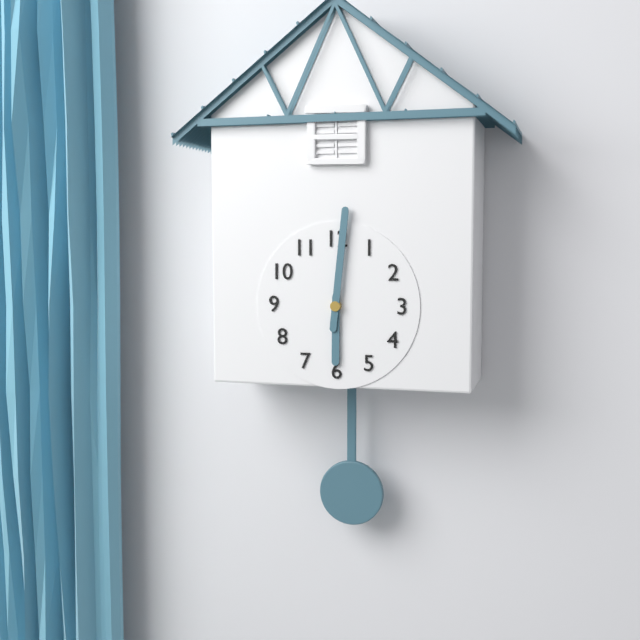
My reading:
{"hour": 6, "minute": 1}
